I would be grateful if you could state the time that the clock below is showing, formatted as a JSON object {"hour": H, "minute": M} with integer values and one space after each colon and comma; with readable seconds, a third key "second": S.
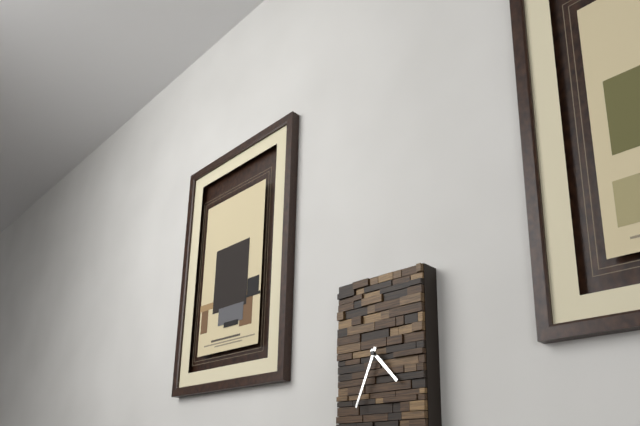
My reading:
{"hour": 4, "minute": 34}
